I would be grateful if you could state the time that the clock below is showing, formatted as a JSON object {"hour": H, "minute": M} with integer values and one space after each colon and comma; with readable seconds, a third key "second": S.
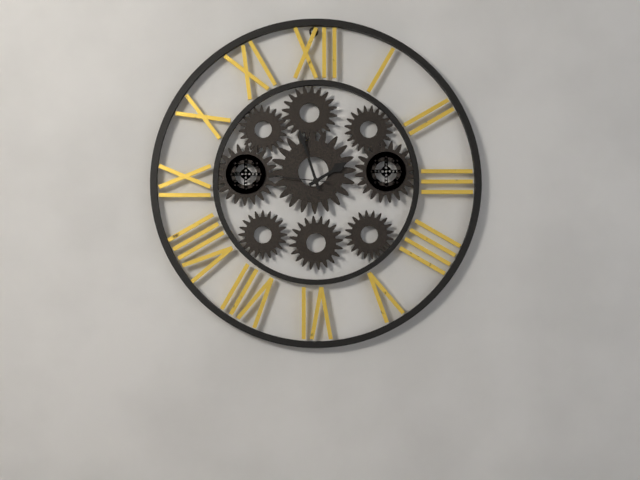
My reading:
{"hour": 1, "minute": 57, "second": 46}
